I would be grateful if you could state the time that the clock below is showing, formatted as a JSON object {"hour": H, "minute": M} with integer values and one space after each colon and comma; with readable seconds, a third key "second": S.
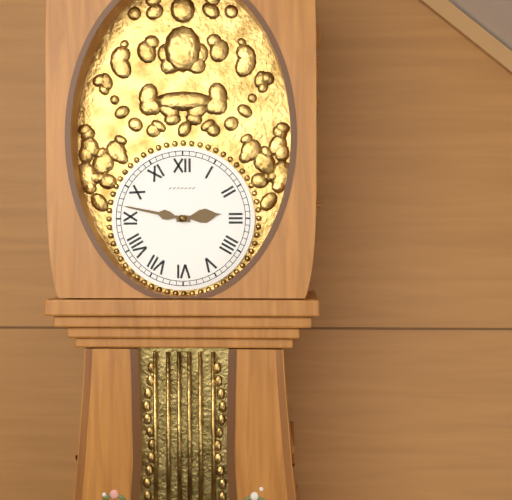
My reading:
{"hour": 2, "minute": 47}
